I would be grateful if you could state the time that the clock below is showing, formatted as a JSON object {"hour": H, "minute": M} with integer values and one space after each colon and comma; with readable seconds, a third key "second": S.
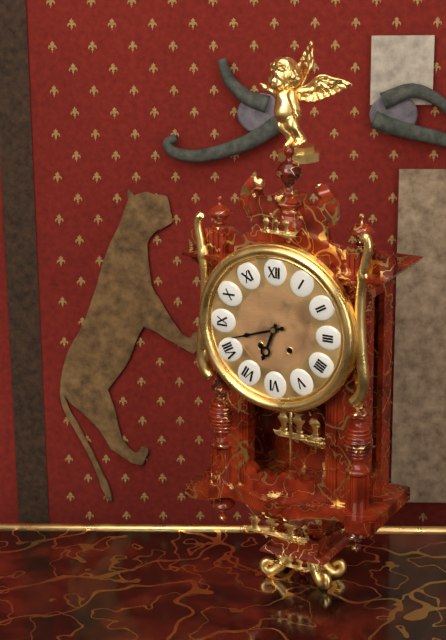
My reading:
{"hour": 6, "minute": 42}
